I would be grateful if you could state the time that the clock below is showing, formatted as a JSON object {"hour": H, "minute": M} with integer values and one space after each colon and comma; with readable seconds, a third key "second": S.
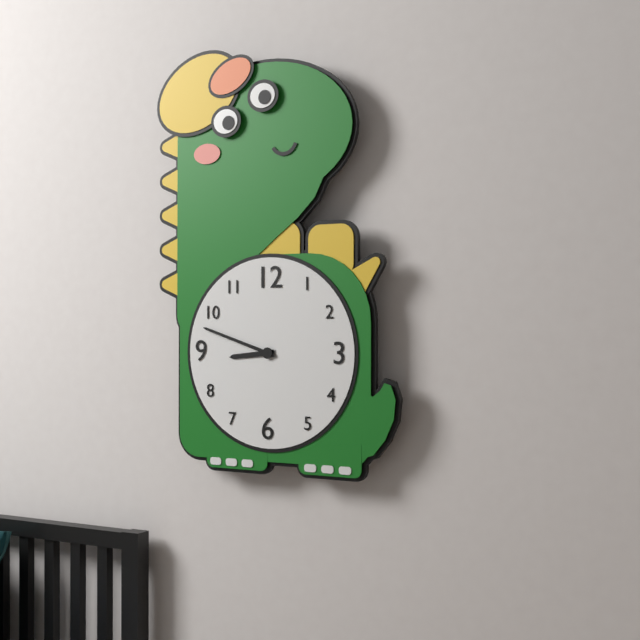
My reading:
{"hour": 8, "minute": 48}
